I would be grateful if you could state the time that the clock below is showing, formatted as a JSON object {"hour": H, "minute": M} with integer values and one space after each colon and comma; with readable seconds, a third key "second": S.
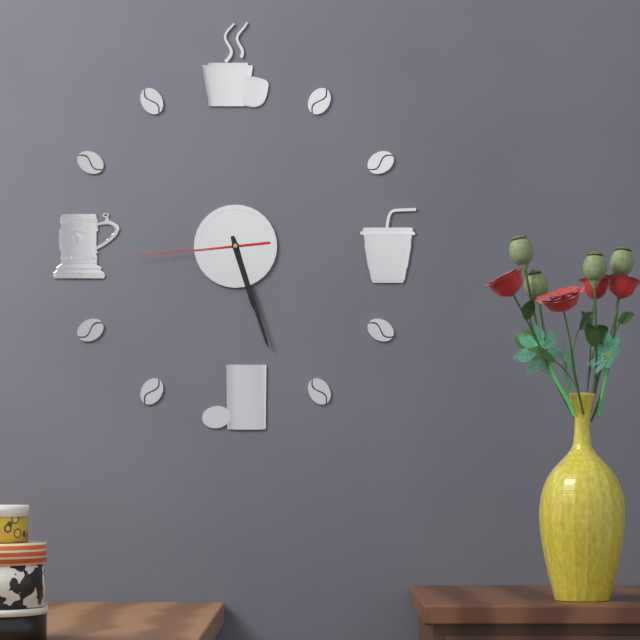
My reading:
{"hour": 5, "minute": 27, "second": 44}
